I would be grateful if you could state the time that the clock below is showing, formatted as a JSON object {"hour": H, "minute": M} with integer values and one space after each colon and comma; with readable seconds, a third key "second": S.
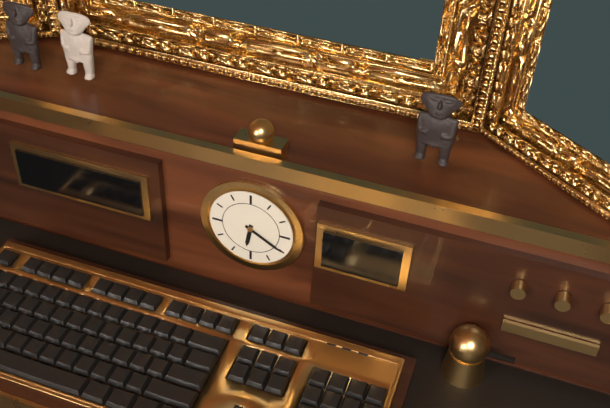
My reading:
{"hour": 6, "minute": 20}
